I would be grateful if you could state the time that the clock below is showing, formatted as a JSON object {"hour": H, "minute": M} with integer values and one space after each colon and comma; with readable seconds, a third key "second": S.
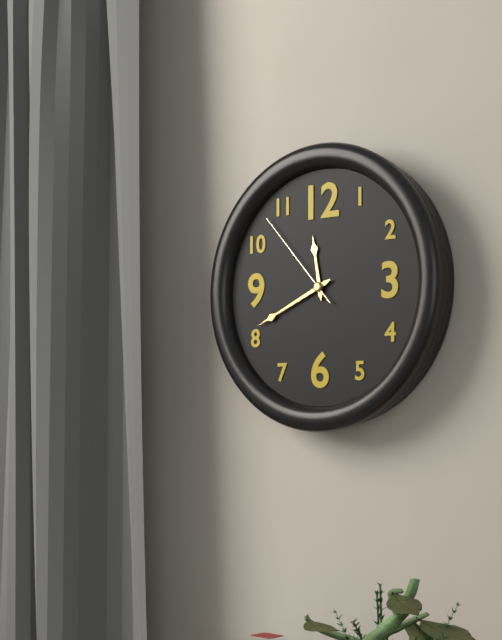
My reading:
{"hour": 11, "minute": 41, "second": 53}
